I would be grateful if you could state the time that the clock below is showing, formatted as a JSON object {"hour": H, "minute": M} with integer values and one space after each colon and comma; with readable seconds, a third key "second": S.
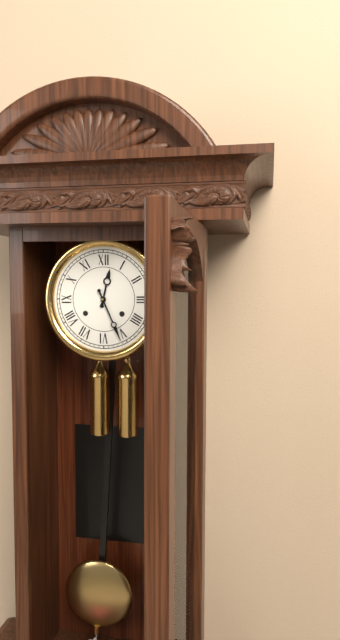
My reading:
{"hour": 12, "minute": 26}
